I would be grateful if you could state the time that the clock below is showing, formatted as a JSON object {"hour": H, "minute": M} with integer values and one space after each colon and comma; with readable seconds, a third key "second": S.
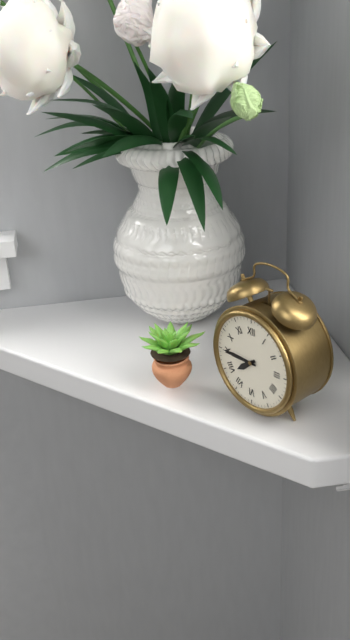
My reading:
{"hour": 7, "minute": 45}
